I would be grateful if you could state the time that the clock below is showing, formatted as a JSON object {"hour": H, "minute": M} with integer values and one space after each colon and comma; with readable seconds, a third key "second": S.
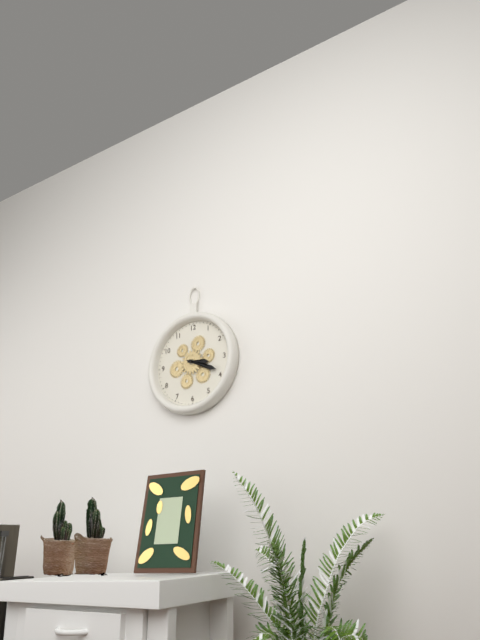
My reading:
{"hour": 3, "minute": 19}
